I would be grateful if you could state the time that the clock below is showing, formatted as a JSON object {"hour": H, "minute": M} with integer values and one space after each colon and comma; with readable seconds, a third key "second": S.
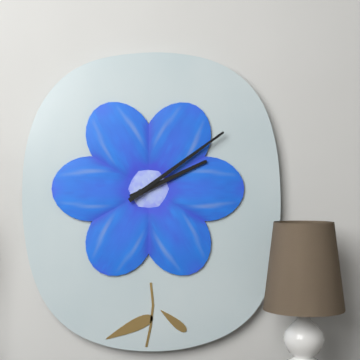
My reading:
{"hour": 2, "minute": 9}
